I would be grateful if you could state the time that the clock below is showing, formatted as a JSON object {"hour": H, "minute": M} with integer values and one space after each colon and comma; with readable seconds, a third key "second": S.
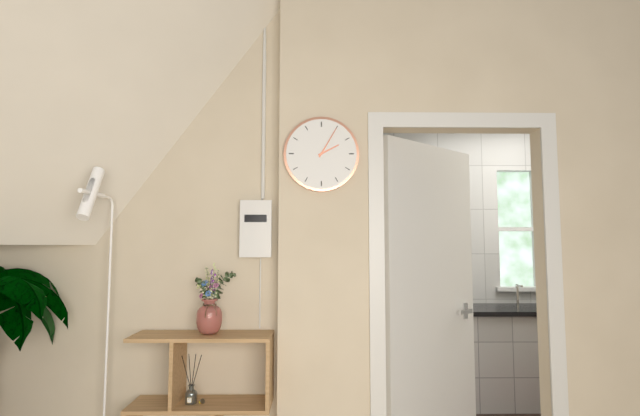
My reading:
{"hour": 2, "minute": 5}
